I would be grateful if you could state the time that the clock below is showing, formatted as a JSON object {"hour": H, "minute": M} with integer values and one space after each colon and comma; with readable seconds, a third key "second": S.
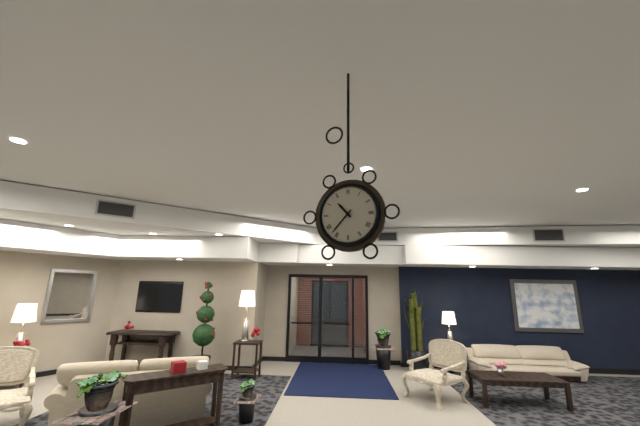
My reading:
{"hour": 10, "minute": 37}
